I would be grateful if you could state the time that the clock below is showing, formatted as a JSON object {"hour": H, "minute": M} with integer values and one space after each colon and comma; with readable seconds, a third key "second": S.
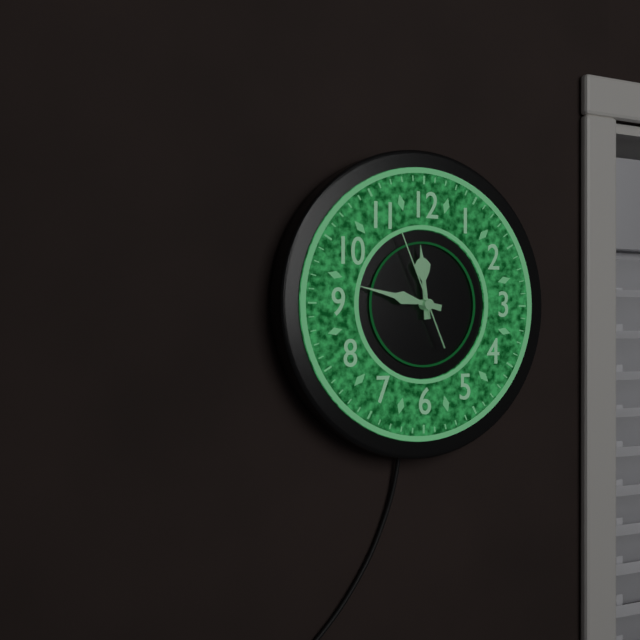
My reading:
{"hour": 11, "minute": 47, "second": 56}
